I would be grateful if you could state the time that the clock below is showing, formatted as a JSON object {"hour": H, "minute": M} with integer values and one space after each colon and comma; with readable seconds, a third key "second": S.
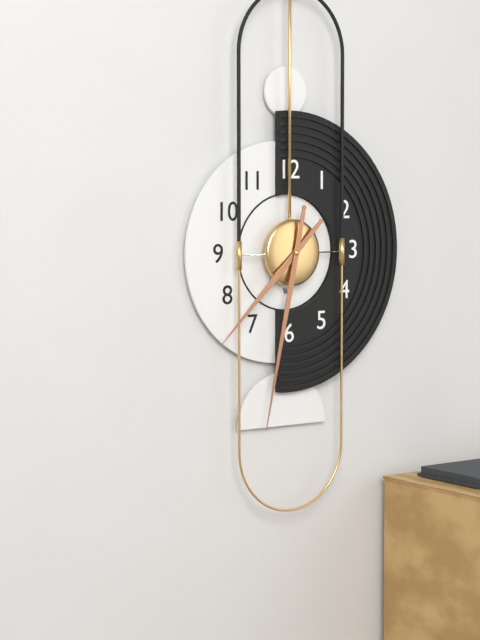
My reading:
{"hour": 7, "minute": 32}
